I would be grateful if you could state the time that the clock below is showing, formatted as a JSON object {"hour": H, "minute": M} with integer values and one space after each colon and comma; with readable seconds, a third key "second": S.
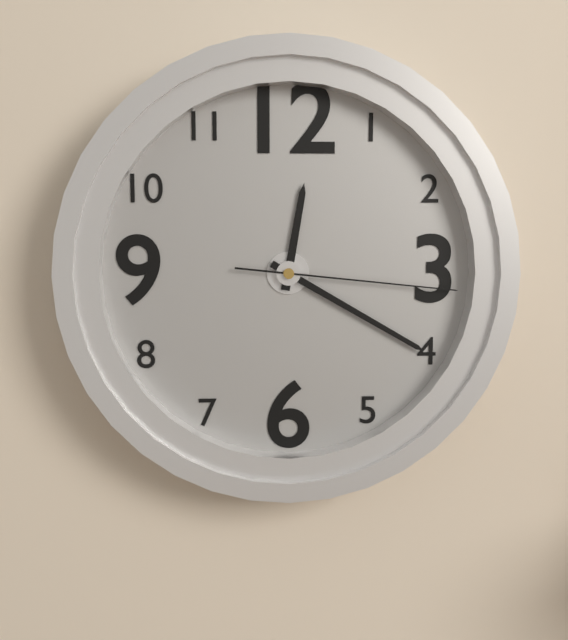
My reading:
{"hour": 12, "minute": 20, "second": 16}
